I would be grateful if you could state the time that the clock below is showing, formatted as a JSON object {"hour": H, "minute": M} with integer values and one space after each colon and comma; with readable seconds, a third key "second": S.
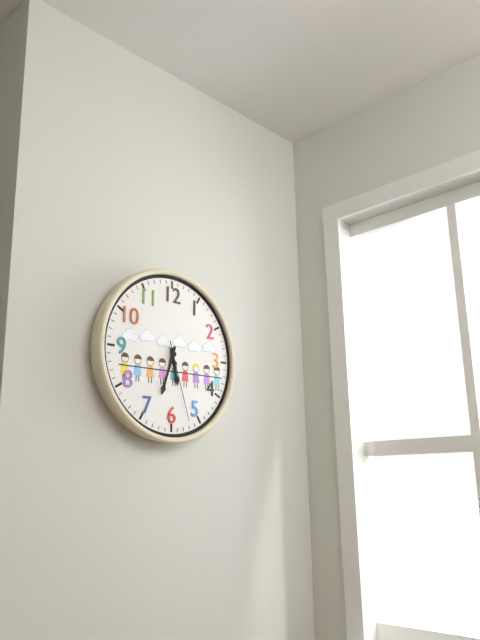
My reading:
{"hour": 5, "minute": 33, "second": 27}
